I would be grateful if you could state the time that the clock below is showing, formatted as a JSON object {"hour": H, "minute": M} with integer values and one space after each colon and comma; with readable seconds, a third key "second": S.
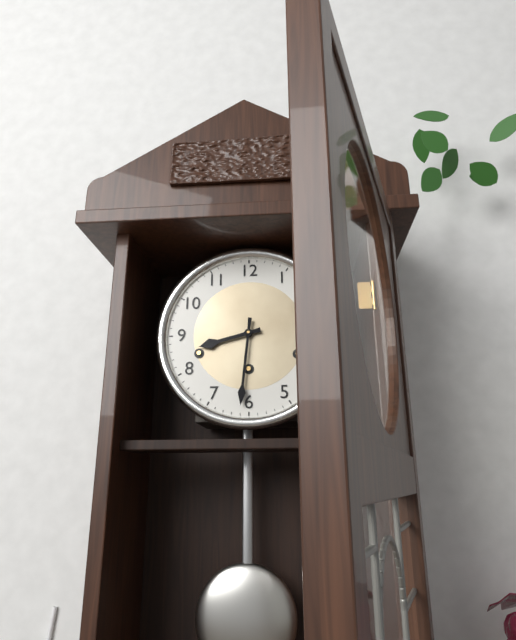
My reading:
{"hour": 8, "minute": 31}
